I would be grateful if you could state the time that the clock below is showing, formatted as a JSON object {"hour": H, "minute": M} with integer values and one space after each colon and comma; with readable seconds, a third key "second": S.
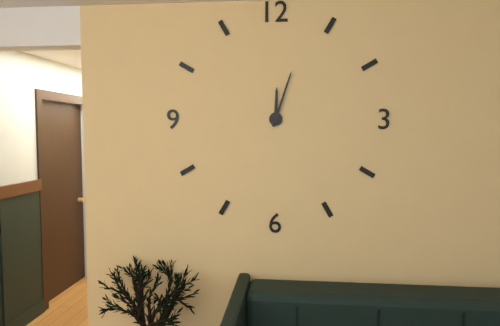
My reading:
{"hour": 12, "minute": 3}
